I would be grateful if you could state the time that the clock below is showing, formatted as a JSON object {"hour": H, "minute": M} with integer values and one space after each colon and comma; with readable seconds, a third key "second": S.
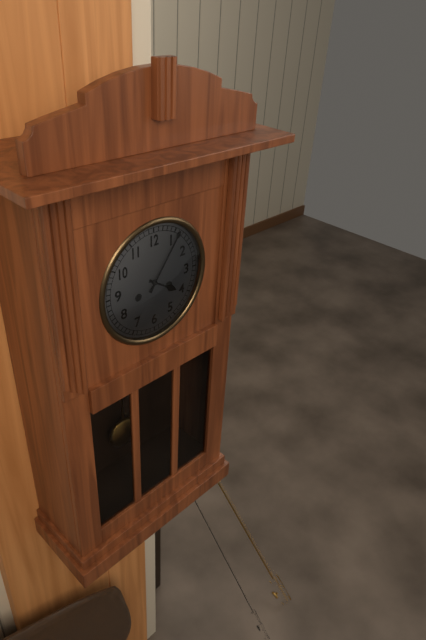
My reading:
{"hour": 4, "minute": 6}
